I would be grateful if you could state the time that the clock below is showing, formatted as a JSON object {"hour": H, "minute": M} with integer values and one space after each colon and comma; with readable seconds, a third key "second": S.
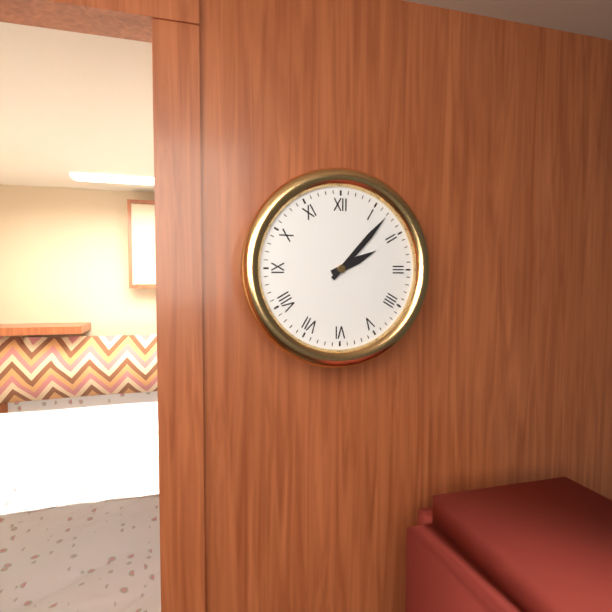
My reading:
{"hour": 2, "minute": 7}
